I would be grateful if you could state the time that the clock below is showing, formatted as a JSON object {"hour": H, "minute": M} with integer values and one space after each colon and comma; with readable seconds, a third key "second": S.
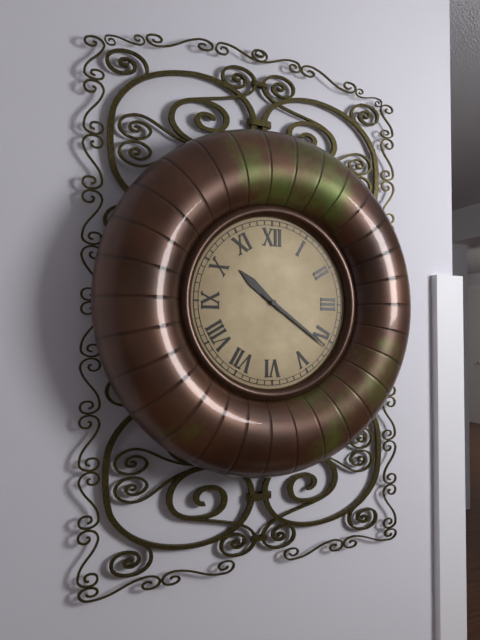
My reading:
{"hour": 10, "minute": 21}
